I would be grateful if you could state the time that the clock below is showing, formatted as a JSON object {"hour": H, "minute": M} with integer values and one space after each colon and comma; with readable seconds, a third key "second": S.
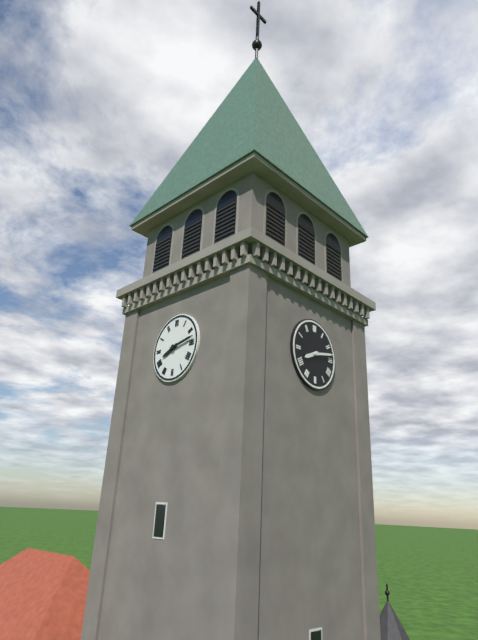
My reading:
{"hour": 8, "minute": 13}
